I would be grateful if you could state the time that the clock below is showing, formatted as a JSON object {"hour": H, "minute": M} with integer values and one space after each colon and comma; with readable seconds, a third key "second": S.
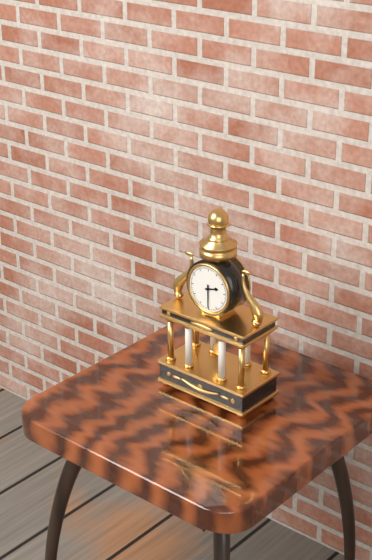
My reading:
{"hour": 2, "minute": 30}
